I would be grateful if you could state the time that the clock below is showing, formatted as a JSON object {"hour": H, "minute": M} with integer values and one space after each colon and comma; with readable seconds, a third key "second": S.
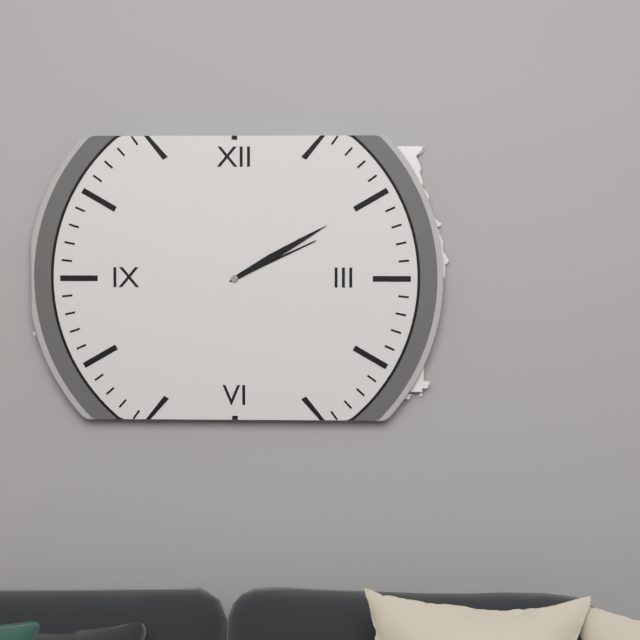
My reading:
{"hour": 2, "minute": 10}
